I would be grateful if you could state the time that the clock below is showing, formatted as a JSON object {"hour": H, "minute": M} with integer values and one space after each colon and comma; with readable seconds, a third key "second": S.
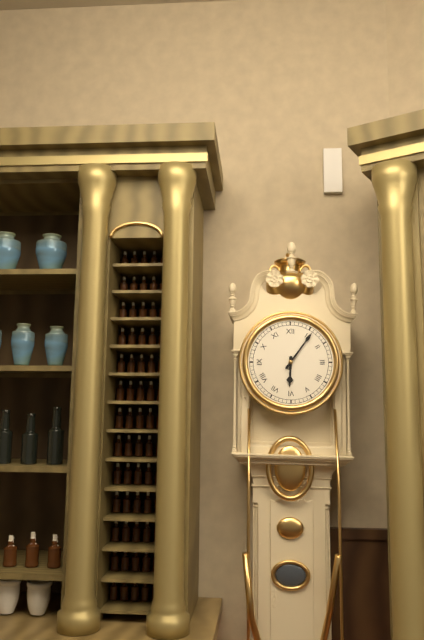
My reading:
{"hour": 6, "minute": 6}
